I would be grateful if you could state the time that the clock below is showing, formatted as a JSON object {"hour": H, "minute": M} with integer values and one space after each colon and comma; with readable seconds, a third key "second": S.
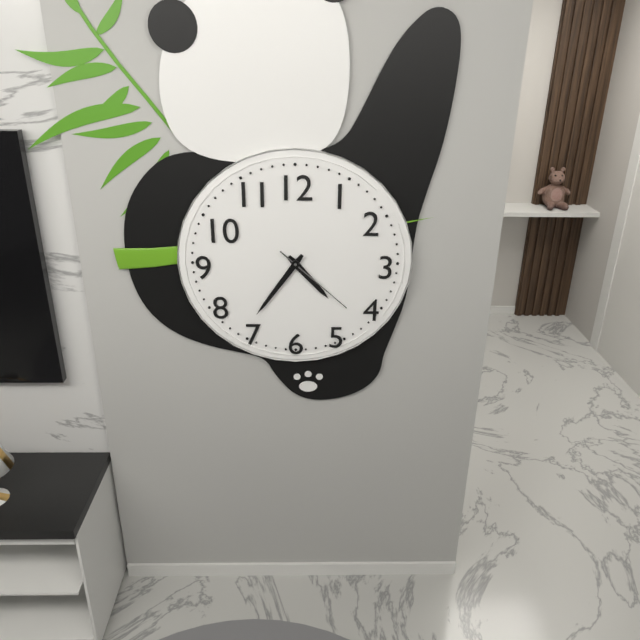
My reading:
{"hour": 4, "minute": 36, "second": 22}
